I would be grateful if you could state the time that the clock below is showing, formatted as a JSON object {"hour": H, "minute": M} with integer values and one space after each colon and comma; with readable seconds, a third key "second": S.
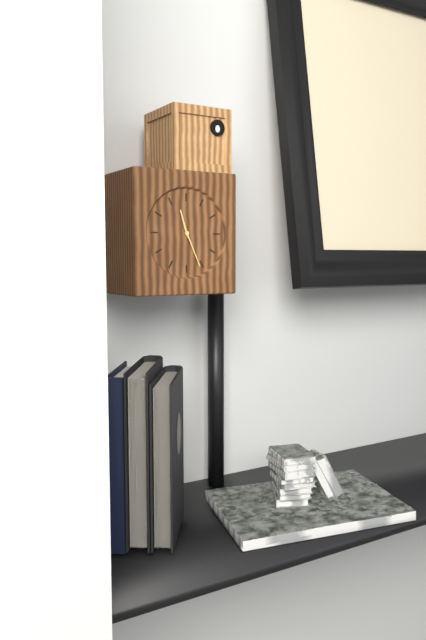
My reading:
{"hour": 11, "minute": 26}
